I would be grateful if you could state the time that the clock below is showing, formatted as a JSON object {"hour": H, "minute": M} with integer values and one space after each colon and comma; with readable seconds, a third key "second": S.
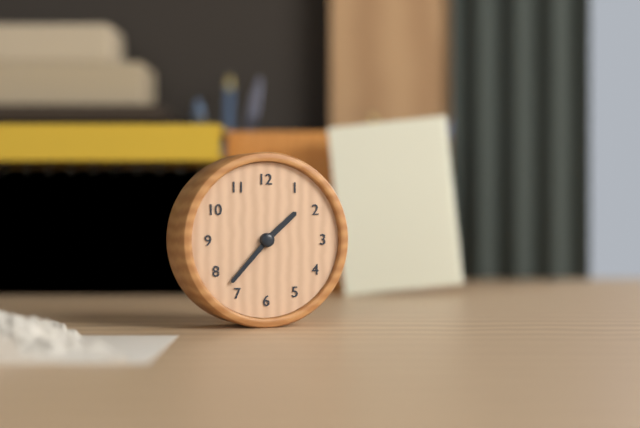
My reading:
{"hour": 1, "minute": 37}
